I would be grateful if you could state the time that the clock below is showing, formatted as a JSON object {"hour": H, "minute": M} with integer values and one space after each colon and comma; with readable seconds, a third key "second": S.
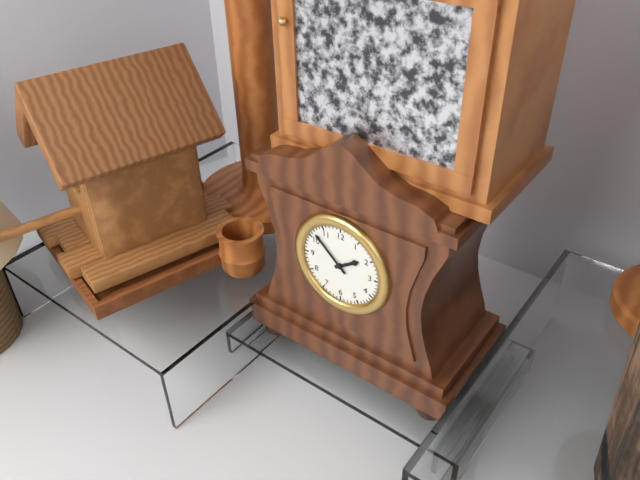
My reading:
{"hour": 1, "minute": 52}
